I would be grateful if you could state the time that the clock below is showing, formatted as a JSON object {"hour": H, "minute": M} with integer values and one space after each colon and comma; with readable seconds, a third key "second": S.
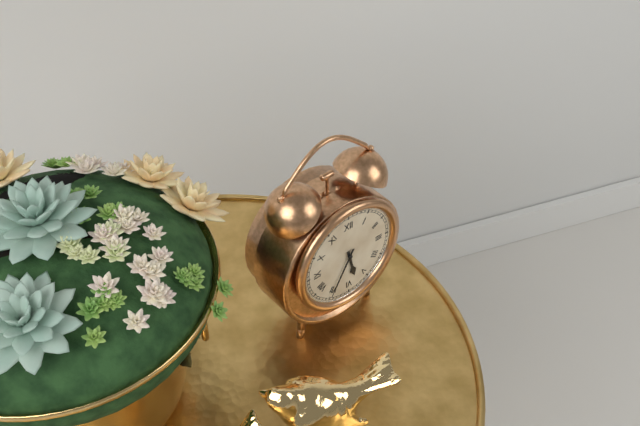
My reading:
{"hour": 5, "minute": 35}
